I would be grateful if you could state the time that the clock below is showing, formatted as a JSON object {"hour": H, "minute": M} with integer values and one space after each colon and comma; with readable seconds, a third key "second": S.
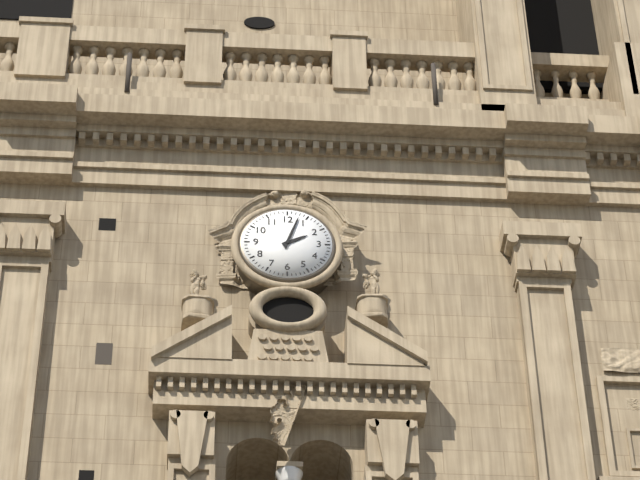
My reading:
{"hour": 2, "minute": 3}
